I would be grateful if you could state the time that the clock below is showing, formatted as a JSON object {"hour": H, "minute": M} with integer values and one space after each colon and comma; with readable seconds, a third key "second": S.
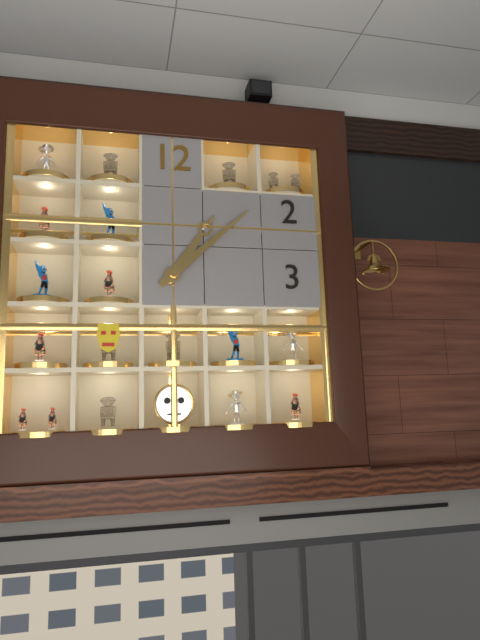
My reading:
{"hour": 1, "minute": 8}
